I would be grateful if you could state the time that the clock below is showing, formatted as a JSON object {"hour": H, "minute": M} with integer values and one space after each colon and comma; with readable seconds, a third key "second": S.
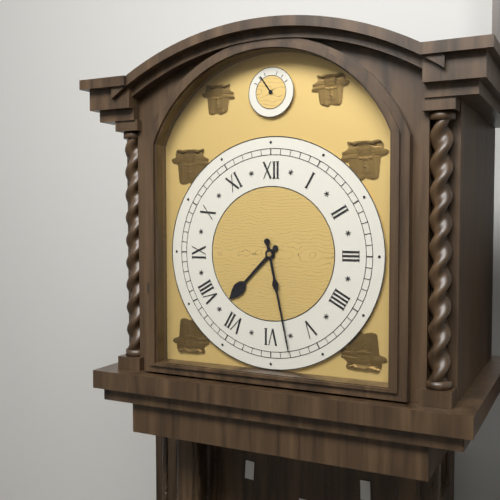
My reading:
{"hour": 7, "minute": 28}
